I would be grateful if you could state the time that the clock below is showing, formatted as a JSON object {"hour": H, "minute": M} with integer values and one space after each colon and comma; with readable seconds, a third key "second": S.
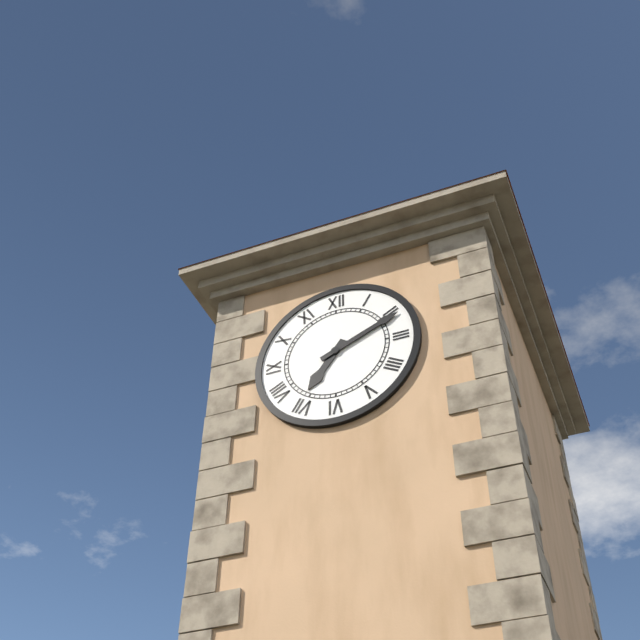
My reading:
{"hour": 7, "minute": 11}
